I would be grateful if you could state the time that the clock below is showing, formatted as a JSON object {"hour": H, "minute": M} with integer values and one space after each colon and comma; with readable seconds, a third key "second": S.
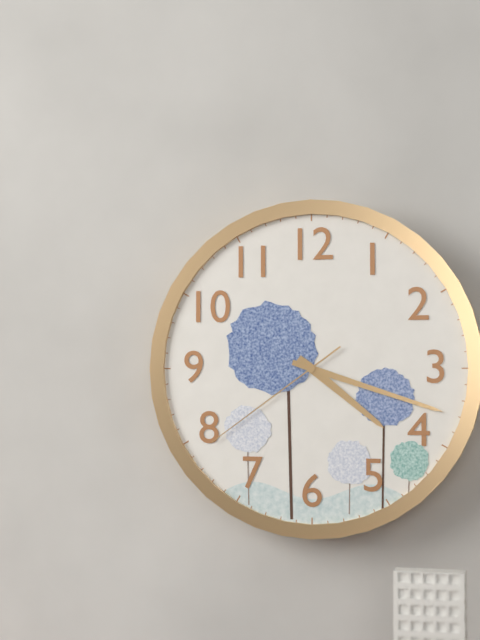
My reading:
{"hour": 4, "minute": 18, "second": 39}
